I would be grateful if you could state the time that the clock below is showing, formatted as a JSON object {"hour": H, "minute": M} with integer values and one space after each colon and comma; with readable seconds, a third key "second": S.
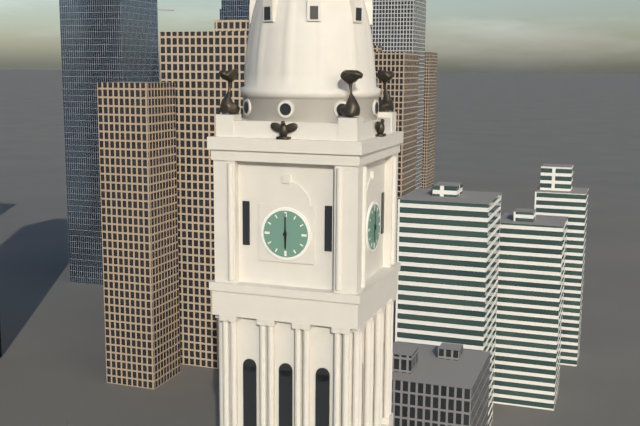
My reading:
{"hour": 6, "minute": 0}
